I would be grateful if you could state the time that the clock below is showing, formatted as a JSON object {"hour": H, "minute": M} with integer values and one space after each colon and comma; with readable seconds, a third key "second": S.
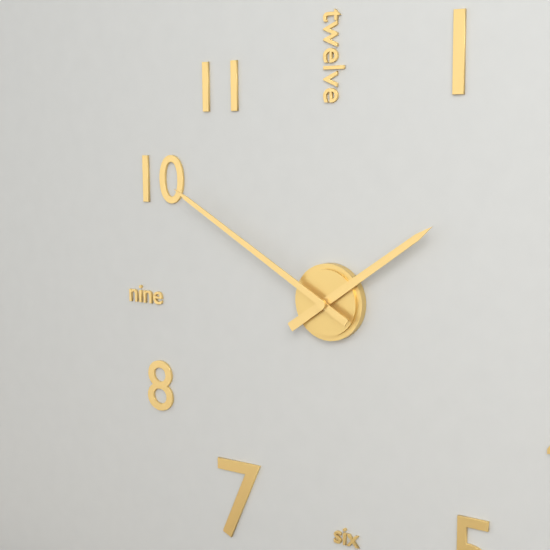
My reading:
{"hour": 1, "minute": 50}
